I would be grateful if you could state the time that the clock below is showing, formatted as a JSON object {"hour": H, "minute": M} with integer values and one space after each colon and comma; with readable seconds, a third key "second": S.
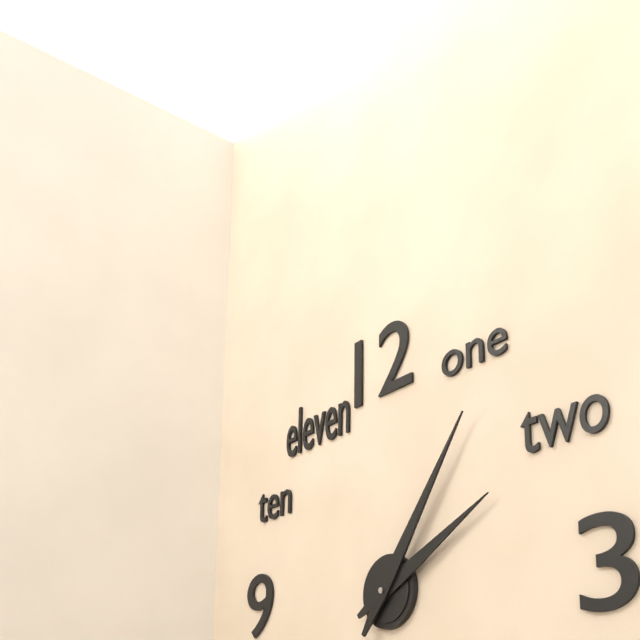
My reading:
{"hour": 2, "minute": 6}
